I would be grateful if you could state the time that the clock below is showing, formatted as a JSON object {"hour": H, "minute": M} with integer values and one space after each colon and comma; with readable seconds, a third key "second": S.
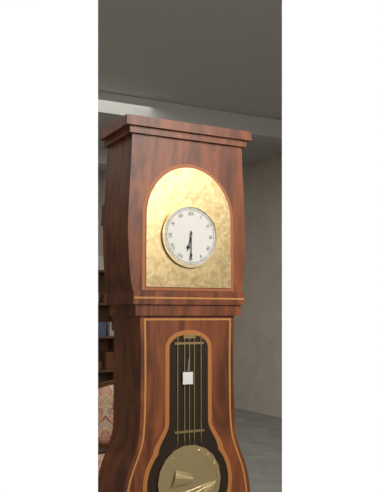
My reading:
{"hour": 6, "minute": 30}
